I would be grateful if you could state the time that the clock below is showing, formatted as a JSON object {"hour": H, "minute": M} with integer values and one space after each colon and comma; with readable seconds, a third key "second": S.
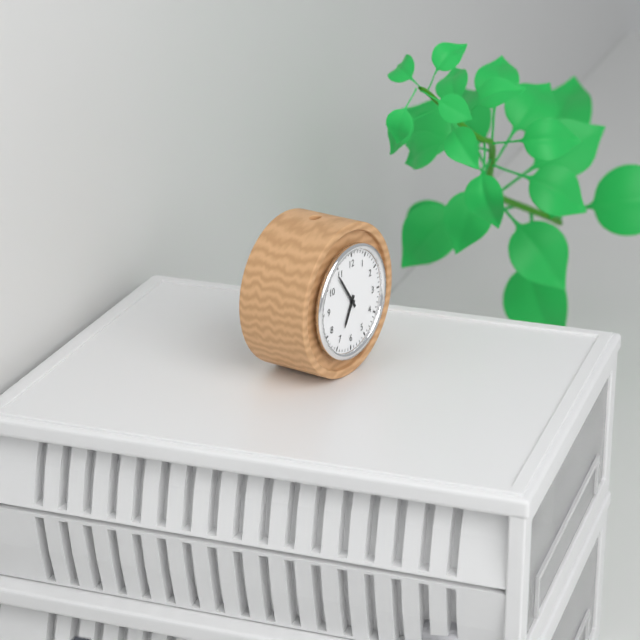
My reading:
{"hour": 6, "minute": 54}
